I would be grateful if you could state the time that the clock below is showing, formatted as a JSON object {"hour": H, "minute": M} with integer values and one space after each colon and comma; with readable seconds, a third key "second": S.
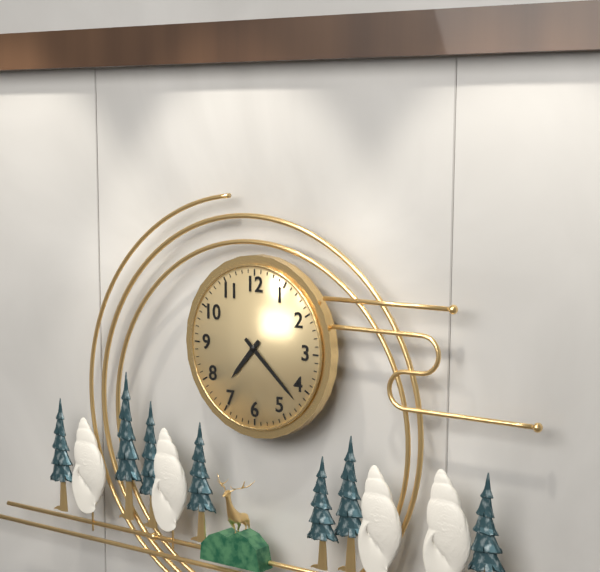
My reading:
{"hour": 7, "minute": 22}
